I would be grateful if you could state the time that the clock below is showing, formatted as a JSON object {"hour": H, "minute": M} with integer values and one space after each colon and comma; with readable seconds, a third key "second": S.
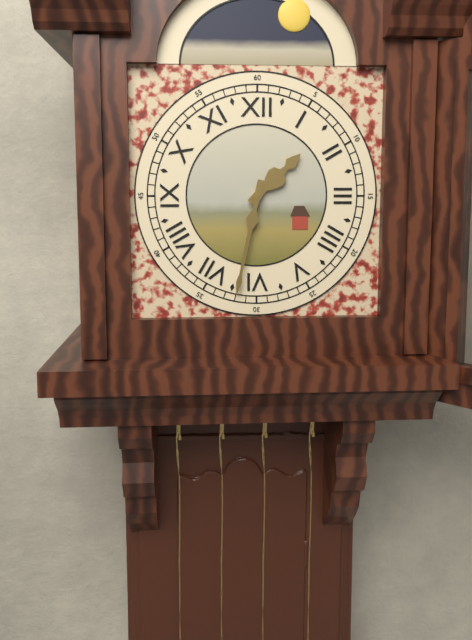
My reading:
{"hour": 1, "minute": 32}
